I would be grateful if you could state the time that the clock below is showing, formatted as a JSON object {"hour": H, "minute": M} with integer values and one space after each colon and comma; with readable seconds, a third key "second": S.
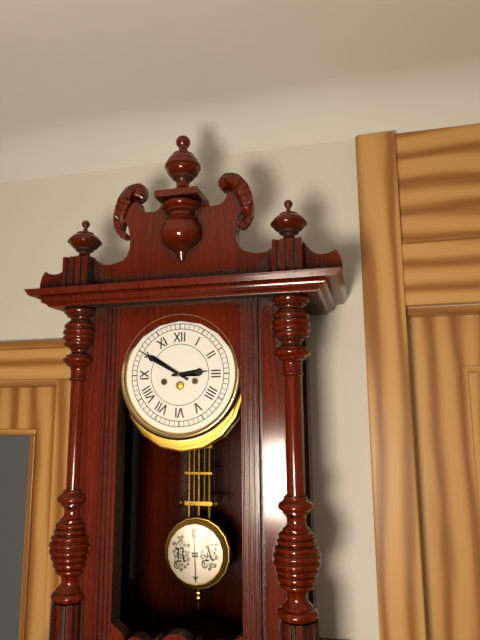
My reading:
{"hour": 2, "minute": 50}
